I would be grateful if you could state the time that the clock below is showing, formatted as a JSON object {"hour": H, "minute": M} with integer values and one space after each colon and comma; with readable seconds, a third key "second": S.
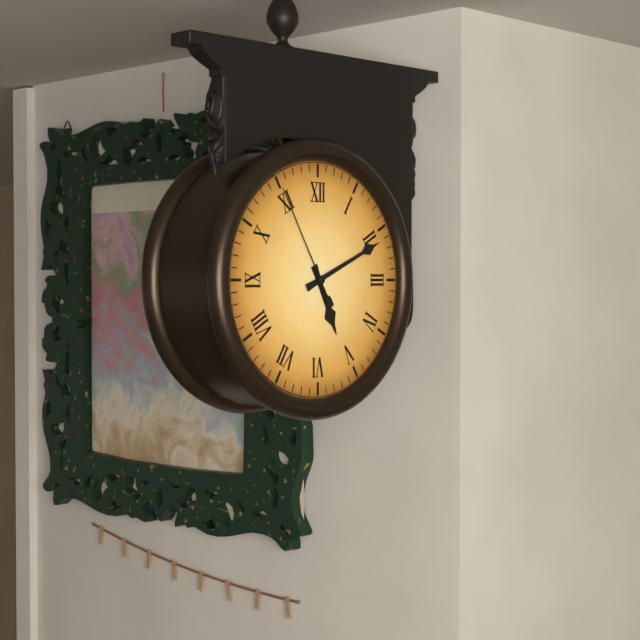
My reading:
{"hour": 5, "minute": 11, "second": 55}
